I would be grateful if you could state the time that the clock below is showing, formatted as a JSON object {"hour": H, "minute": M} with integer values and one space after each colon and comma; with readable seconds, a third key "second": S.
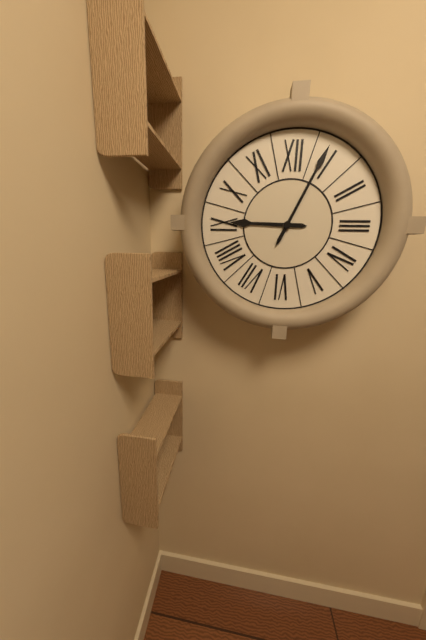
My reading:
{"hour": 9, "minute": 4}
